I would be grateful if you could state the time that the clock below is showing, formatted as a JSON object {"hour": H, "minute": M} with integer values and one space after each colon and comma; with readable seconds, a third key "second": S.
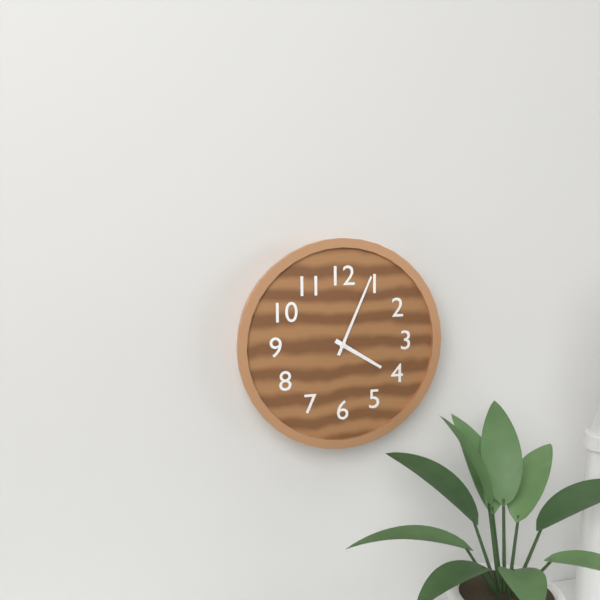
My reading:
{"hour": 4, "minute": 4}
